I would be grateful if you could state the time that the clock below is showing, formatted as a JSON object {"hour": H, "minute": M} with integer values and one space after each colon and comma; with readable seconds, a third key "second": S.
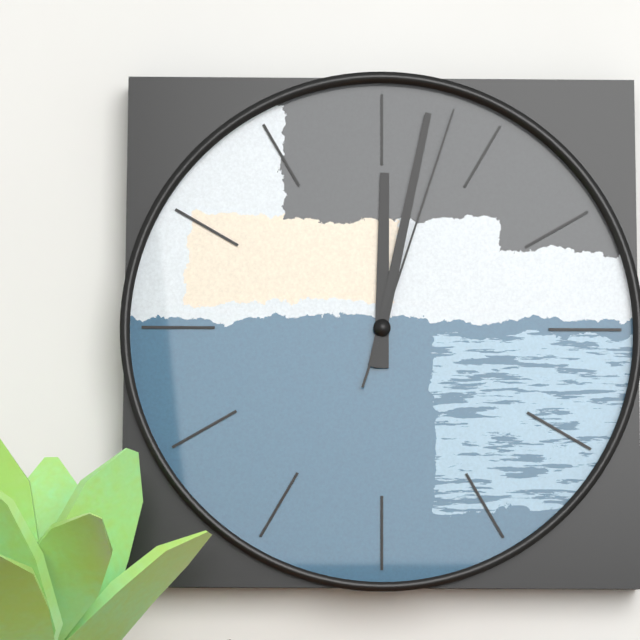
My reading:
{"hour": 12, "minute": 2, "second": 3}
